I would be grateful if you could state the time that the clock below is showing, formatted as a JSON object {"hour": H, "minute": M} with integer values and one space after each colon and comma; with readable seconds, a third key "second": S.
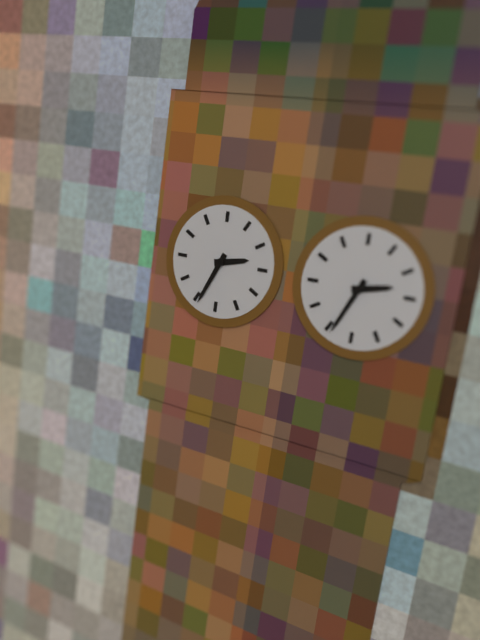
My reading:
{"hour": 2, "minute": 34}
